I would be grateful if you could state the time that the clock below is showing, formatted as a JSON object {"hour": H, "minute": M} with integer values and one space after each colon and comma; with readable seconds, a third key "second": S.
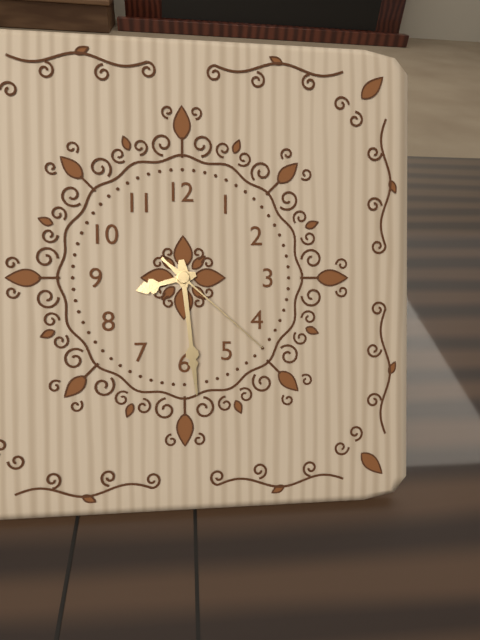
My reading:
{"hour": 8, "minute": 29, "second": 22}
